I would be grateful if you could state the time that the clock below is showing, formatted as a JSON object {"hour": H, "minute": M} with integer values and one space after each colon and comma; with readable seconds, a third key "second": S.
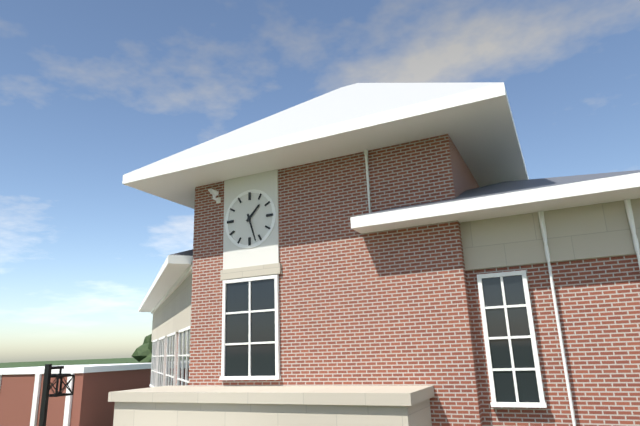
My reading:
{"hour": 1, "minute": 27}
